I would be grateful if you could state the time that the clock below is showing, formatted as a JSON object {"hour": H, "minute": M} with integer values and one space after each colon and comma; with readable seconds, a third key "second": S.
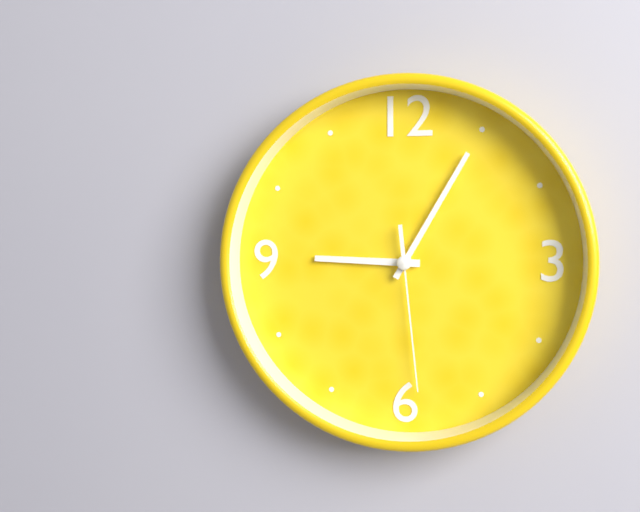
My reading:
{"hour": 9, "minute": 5, "second": 29}
